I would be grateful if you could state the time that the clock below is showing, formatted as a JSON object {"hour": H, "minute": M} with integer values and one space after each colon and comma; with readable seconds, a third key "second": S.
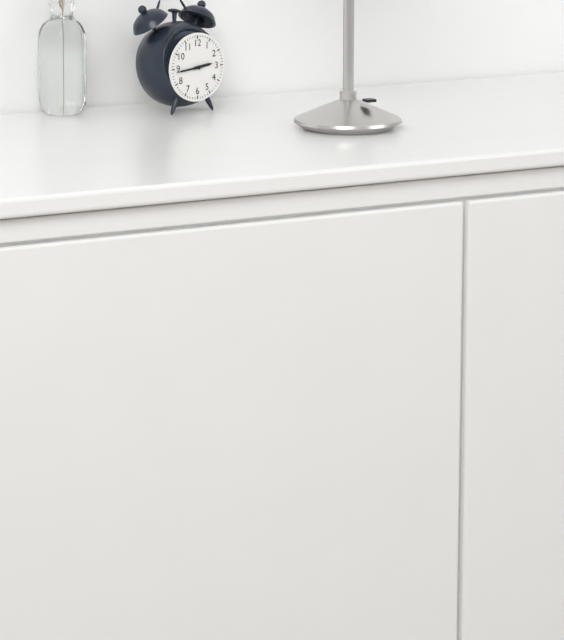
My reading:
{"hour": 2, "minute": 44}
